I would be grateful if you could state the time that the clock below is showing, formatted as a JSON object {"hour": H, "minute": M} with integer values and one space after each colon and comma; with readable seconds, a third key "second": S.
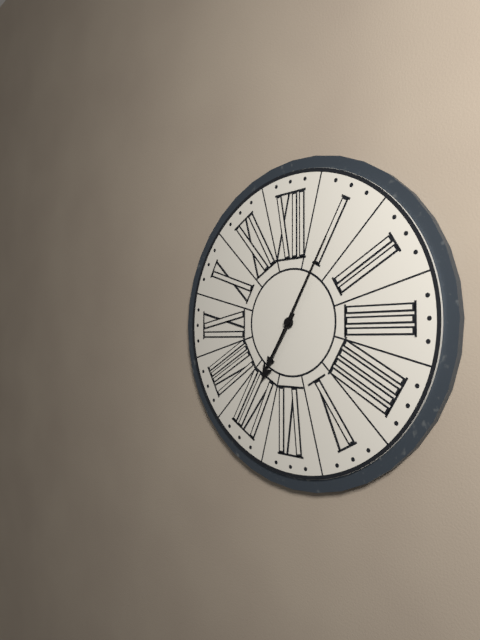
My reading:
{"hour": 7, "minute": 5}
